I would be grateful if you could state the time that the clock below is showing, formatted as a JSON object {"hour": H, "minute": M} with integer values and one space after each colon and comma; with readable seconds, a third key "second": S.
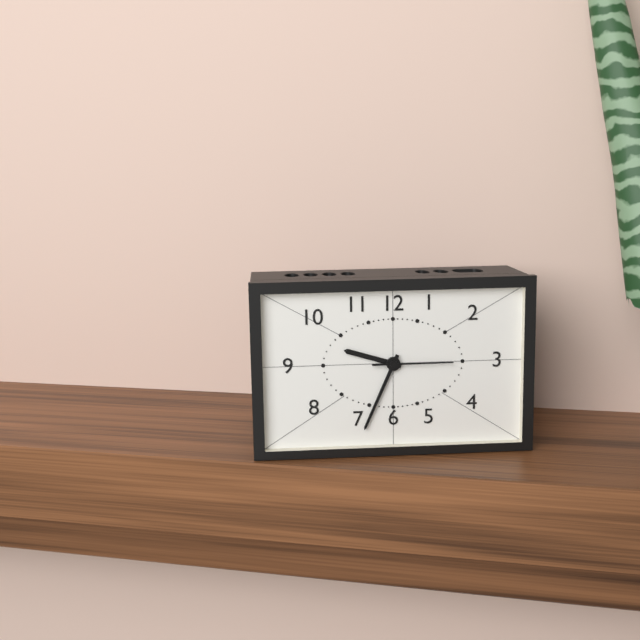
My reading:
{"hour": 9, "minute": 34, "second": 15}
